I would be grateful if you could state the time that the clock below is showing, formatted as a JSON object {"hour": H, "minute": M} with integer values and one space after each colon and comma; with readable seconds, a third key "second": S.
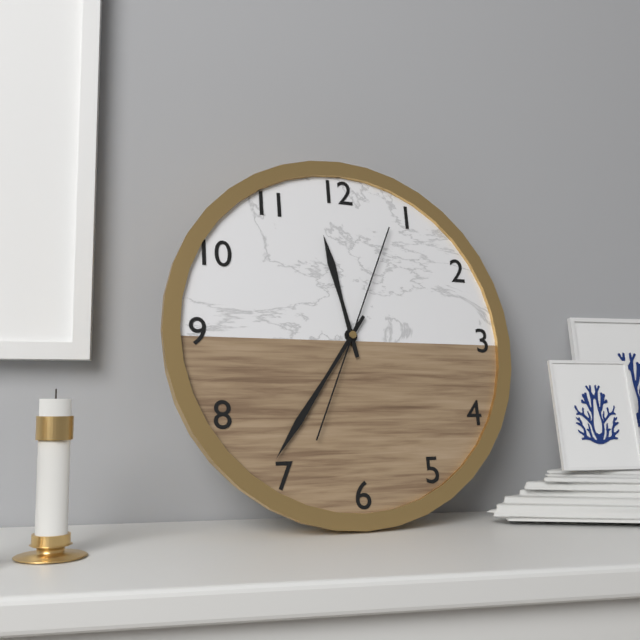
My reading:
{"hour": 11, "minute": 36, "second": 4}
